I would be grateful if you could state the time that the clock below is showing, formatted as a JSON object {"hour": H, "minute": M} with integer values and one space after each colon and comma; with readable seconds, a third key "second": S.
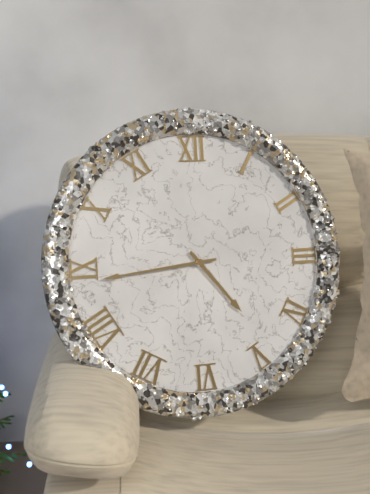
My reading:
{"hour": 4, "minute": 44}
